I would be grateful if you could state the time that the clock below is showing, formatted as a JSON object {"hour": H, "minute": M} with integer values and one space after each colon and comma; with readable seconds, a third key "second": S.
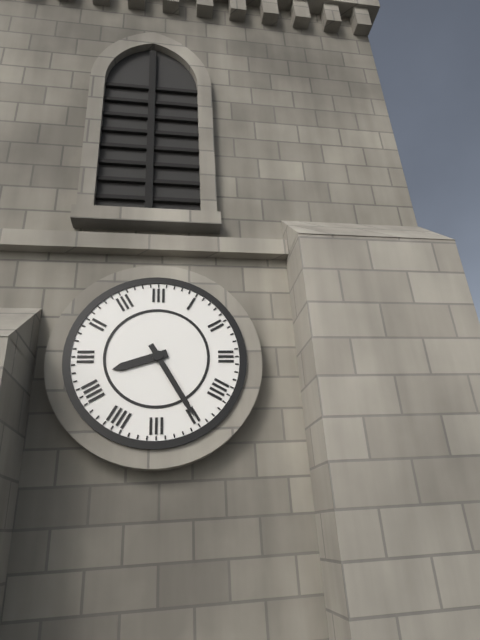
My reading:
{"hour": 8, "minute": 25}
